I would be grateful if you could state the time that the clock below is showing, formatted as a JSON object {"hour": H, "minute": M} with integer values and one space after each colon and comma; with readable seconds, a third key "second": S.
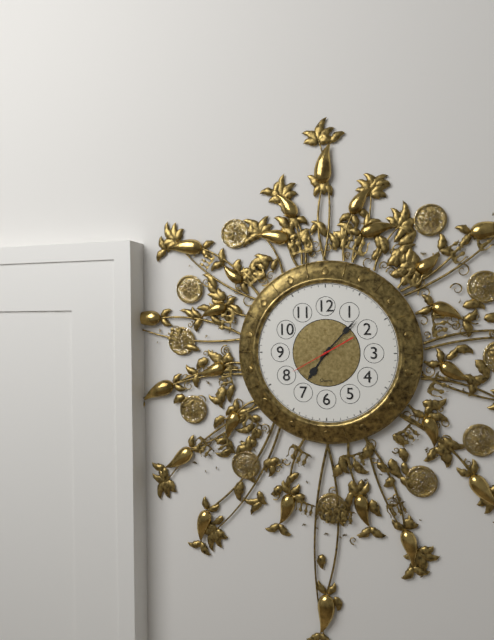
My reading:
{"hour": 7, "minute": 7, "second": 40}
